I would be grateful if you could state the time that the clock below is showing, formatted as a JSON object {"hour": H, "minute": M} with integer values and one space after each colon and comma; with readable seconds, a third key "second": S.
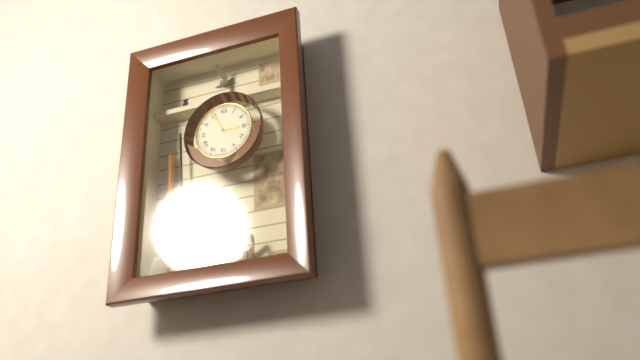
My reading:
{"hour": 2, "minute": 55}
